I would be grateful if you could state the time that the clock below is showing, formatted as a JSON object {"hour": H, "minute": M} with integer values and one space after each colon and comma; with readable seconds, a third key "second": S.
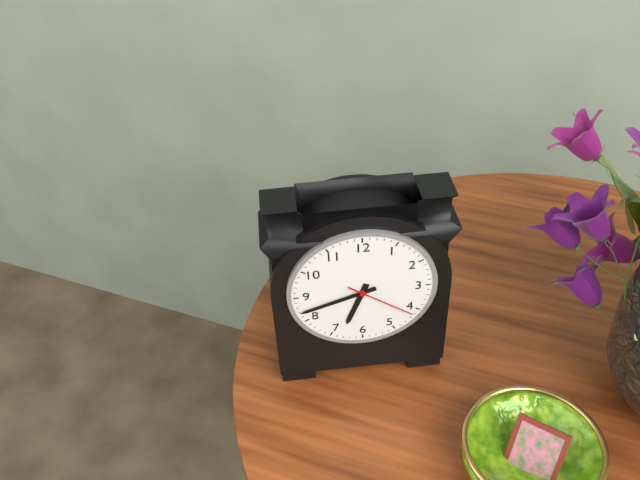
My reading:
{"hour": 6, "minute": 42, "second": 21}
